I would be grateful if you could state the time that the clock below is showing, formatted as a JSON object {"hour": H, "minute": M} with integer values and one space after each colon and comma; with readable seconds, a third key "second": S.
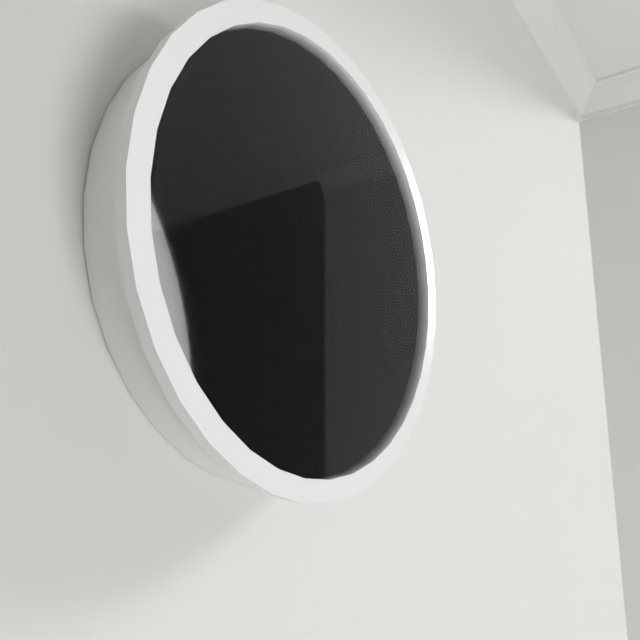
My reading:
{"hour": 11, "minute": 3}
